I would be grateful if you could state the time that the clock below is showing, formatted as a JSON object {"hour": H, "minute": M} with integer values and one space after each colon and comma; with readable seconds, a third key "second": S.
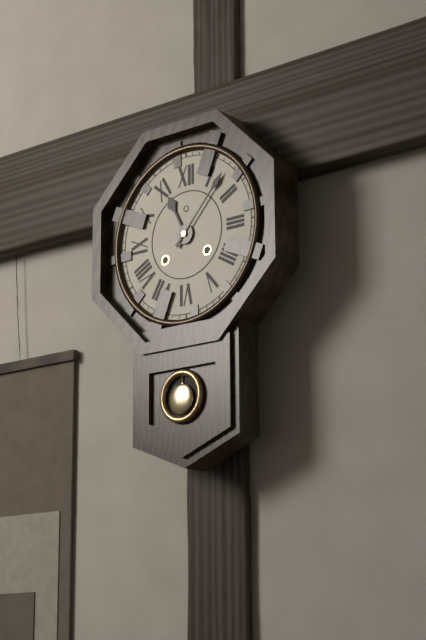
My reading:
{"hour": 11, "minute": 7}
